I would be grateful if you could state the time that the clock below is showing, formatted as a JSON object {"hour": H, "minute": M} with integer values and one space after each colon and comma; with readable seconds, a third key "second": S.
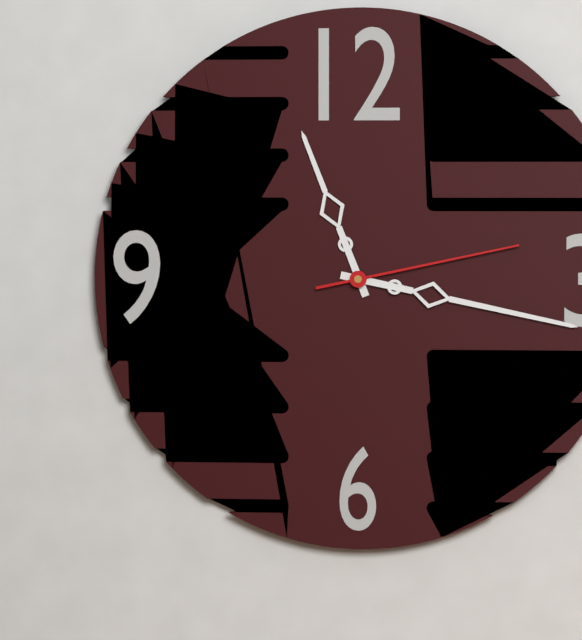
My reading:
{"hour": 11, "minute": 17, "second": 13}
